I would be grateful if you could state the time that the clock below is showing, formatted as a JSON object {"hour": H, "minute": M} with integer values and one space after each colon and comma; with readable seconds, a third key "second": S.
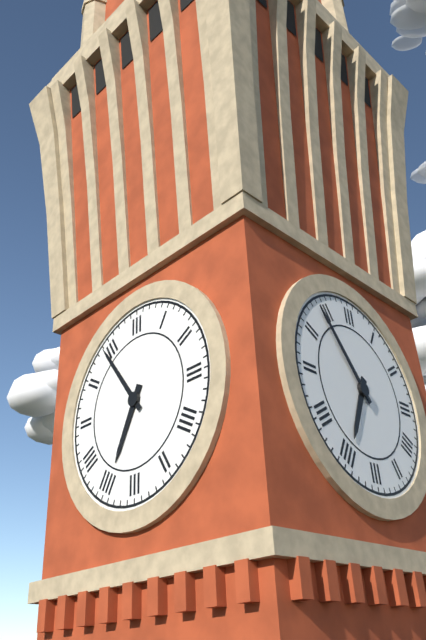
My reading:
{"hour": 6, "minute": 54}
